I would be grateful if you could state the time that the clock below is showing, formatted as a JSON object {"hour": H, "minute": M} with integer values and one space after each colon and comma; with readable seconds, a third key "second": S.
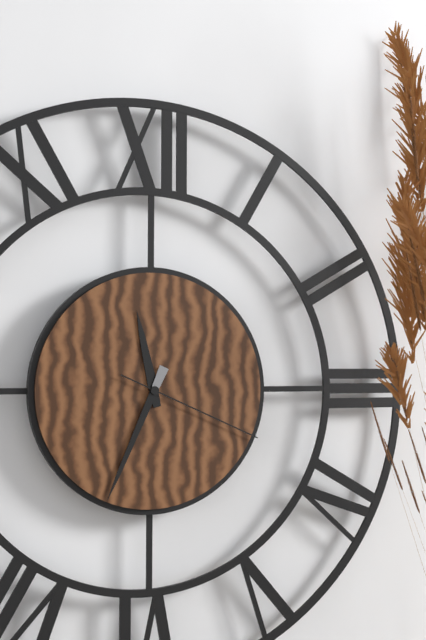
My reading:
{"hour": 11, "minute": 34, "second": 19}
